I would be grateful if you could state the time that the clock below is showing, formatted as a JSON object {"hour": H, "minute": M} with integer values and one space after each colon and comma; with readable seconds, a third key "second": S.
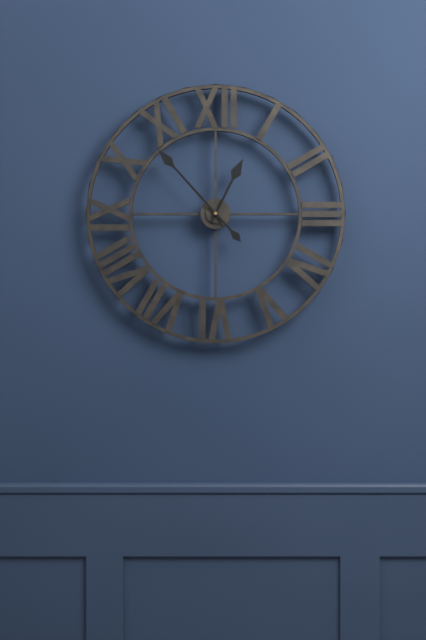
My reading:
{"hour": 12, "minute": 53}
